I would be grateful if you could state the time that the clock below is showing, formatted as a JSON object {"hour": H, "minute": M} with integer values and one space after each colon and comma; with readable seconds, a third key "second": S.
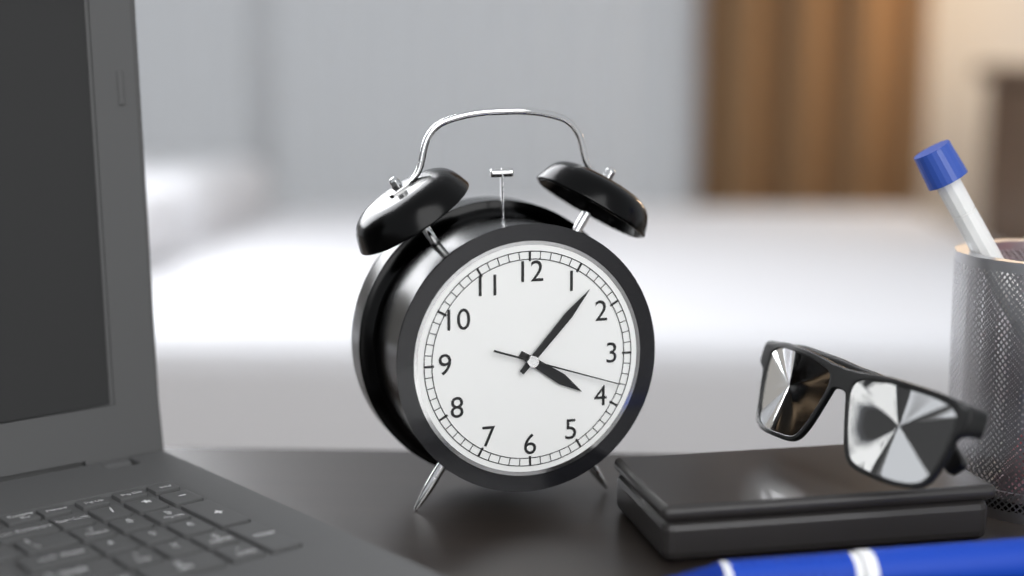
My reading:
{"hour": 4, "minute": 7, "second": 18}
